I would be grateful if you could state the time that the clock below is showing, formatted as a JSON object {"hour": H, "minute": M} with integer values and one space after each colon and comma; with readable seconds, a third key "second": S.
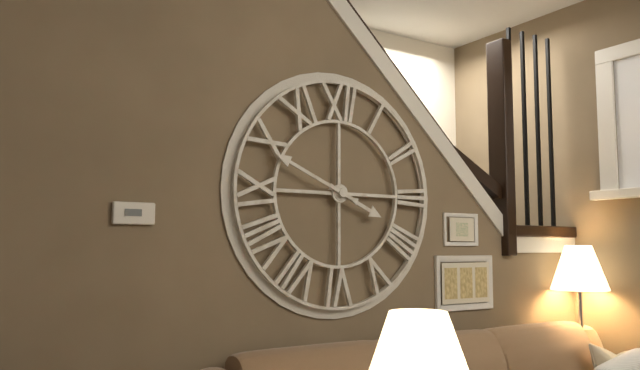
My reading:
{"hour": 3, "minute": 49}
